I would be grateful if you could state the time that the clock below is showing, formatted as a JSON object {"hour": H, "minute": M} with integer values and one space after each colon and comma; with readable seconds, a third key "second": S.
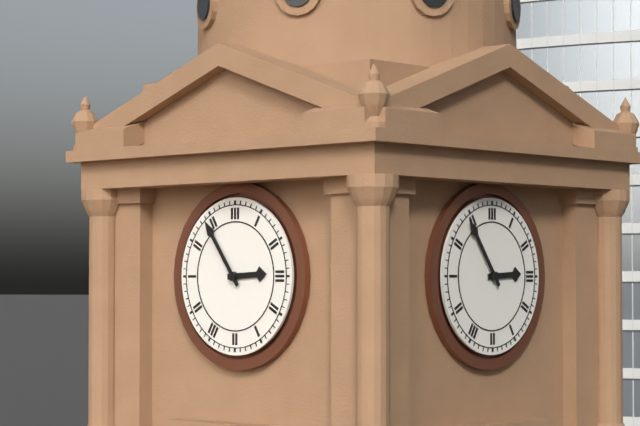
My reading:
{"hour": 2, "minute": 54}
